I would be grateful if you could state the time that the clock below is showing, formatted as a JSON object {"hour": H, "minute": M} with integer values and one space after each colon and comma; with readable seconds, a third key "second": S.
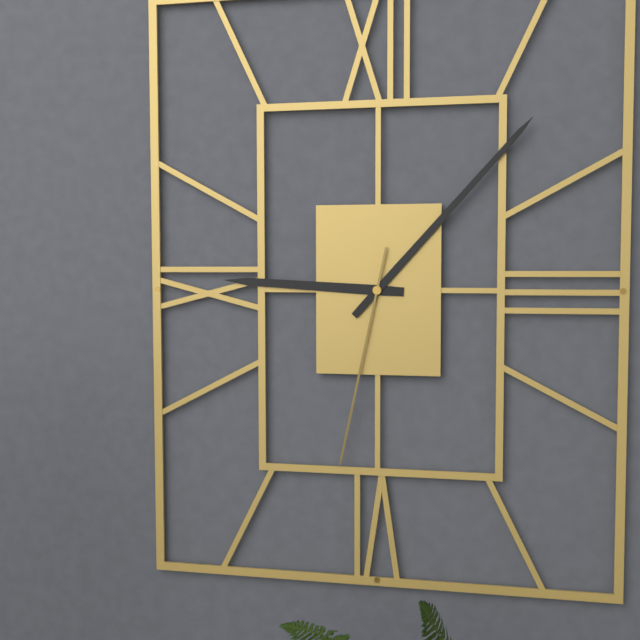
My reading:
{"hour": 9, "minute": 7, "second": 32}
